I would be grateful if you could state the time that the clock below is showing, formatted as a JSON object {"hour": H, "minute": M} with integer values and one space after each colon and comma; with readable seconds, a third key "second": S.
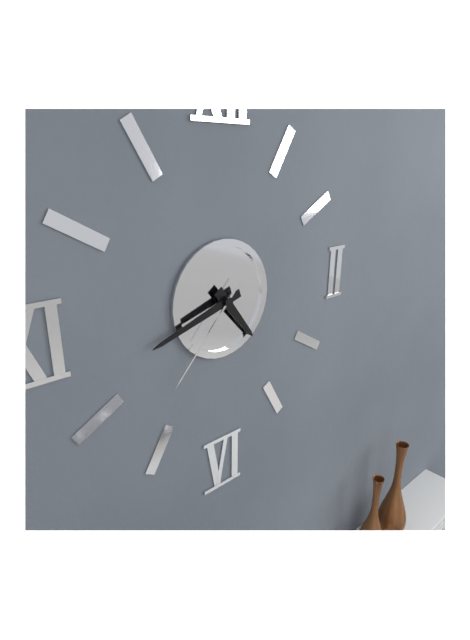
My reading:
{"hour": 4, "minute": 42, "second": 37}
